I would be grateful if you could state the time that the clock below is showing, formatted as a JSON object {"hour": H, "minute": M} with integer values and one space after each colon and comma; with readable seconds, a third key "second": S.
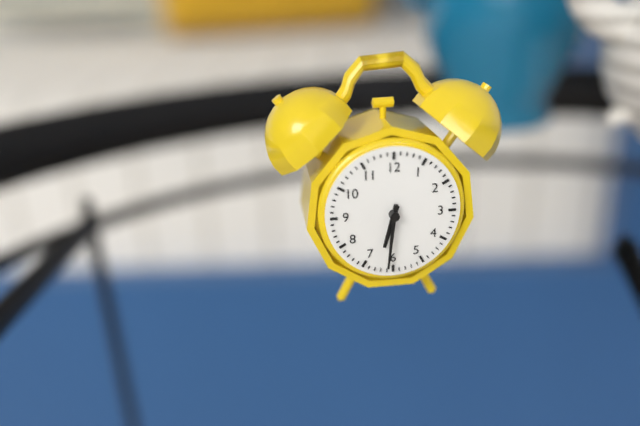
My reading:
{"hour": 6, "minute": 31}
